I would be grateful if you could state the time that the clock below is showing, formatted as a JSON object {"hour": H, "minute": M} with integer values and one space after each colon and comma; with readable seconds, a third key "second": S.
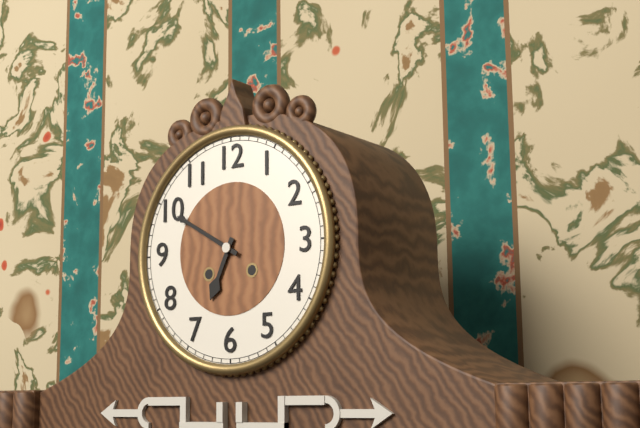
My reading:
{"hour": 6, "minute": 50}
